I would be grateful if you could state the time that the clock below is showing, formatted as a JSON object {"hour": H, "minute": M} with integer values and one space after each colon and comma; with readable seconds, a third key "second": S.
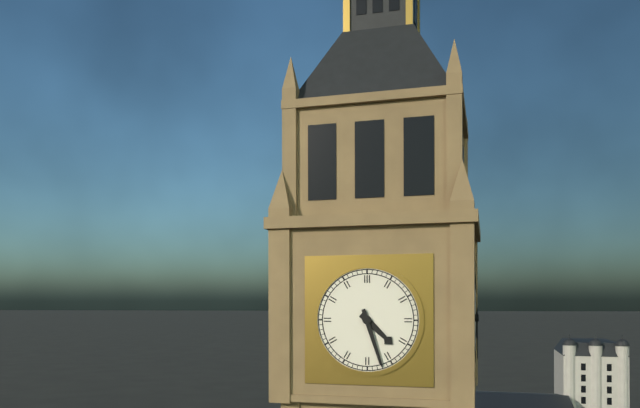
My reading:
{"hour": 4, "minute": 27}
